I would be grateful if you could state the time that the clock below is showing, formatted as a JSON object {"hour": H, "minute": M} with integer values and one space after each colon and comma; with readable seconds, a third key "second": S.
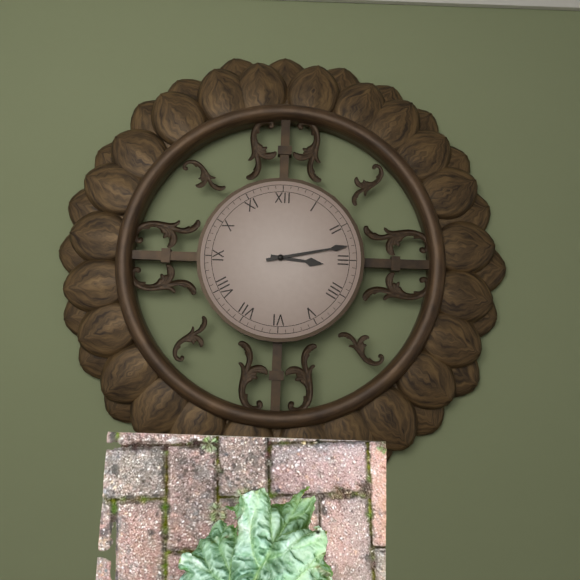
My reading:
{"hour": 3, "minute": 13}
